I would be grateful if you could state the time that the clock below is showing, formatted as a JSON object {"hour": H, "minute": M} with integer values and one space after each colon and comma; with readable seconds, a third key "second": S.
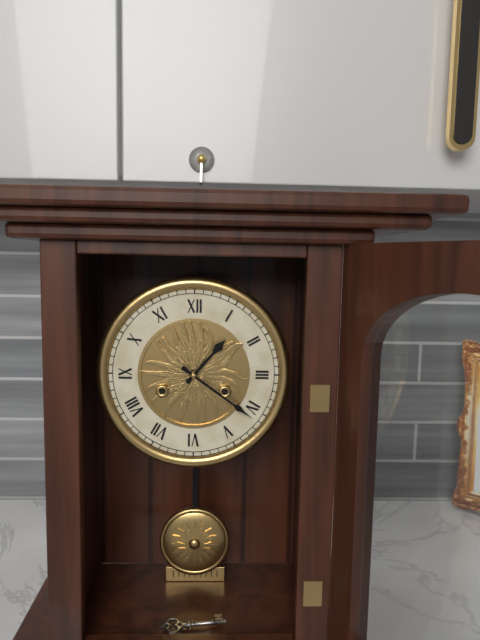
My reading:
{"hour": 1, "minute": 21}
